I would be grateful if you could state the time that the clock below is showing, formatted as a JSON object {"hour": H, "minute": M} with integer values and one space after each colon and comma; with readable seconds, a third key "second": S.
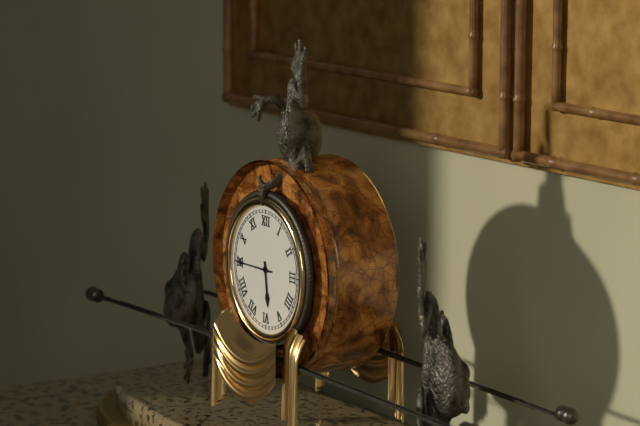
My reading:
{"hour": 5, "minute": 45}
